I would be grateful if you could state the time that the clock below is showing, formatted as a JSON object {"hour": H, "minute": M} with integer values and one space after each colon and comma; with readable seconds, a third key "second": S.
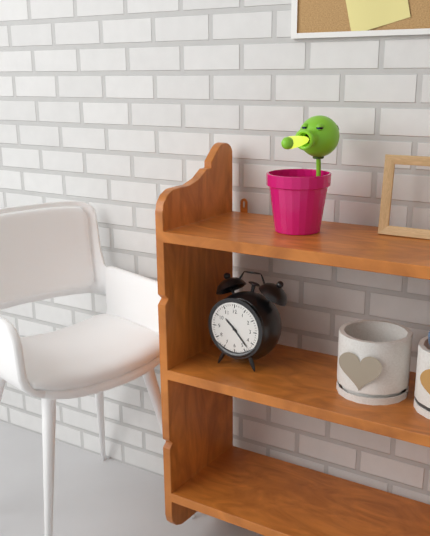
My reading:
{"hour": 10, "minute": 23}
